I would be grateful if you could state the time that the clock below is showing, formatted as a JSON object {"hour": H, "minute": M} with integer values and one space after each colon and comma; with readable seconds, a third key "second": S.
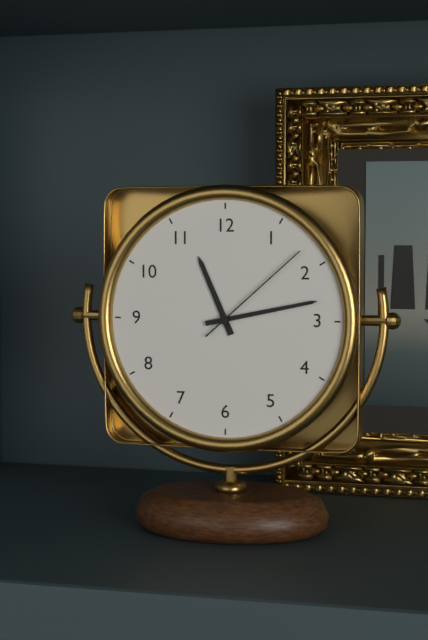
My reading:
{"hour": 11, "minute": 13, "second": 8}
